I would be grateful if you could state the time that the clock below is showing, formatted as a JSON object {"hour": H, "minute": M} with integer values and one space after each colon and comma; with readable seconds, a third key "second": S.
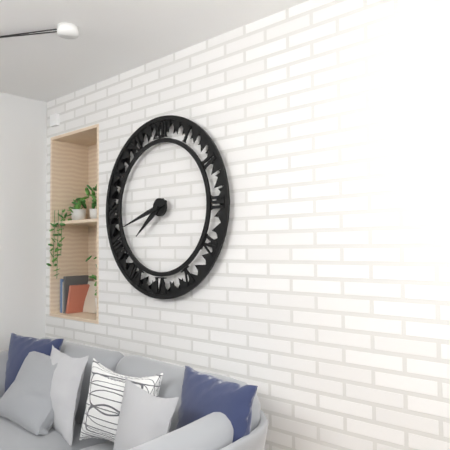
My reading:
{"hour": 7, "minute": 42}
